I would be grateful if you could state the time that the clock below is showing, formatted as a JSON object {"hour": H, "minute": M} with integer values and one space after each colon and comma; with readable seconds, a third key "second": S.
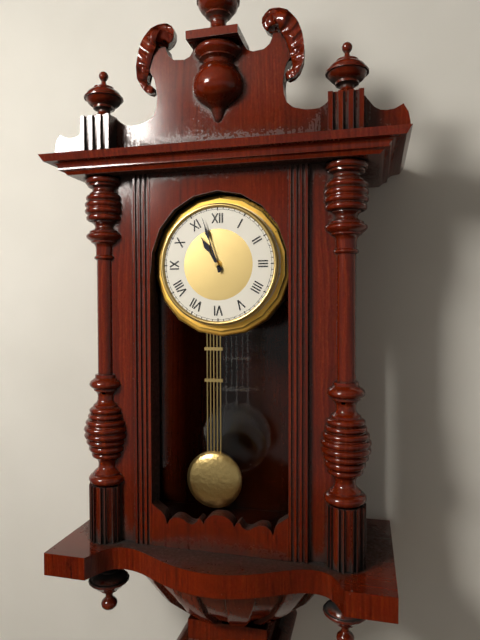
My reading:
{"hour": 10, "minute": 57}
